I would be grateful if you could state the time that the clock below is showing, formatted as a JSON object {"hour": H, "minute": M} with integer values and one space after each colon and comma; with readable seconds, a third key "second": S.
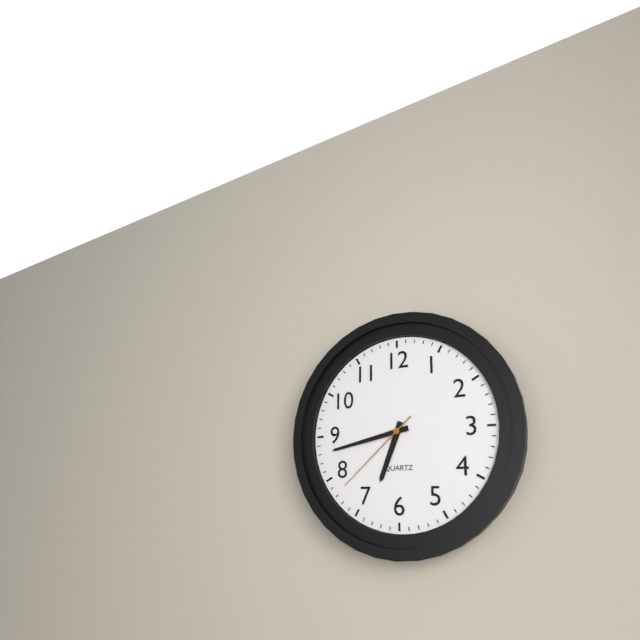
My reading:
{"hour": 6, "minute": 43, "second": 38}
